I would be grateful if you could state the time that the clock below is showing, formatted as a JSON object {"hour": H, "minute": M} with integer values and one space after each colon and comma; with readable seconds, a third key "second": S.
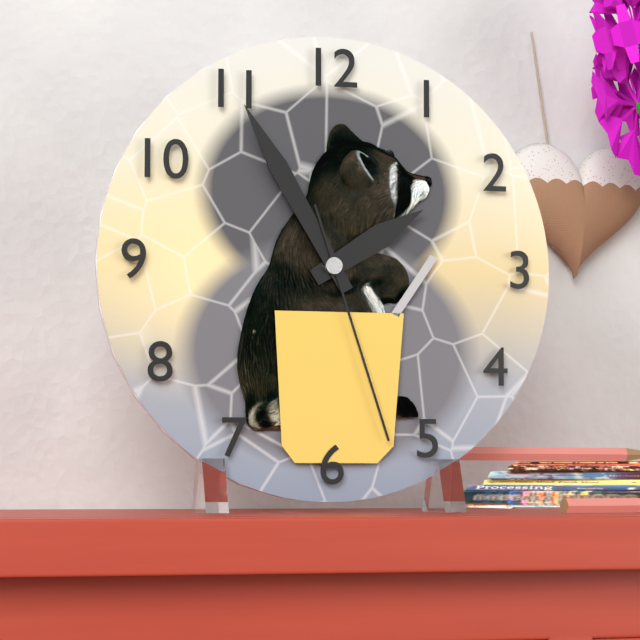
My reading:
{"hour": 1, "minute": 55, "second": 27}
